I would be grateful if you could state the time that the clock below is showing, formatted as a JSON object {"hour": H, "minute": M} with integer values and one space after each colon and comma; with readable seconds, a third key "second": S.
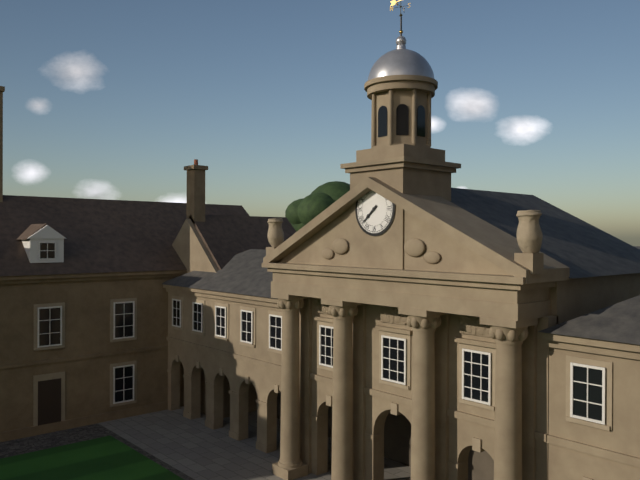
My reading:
{"hour": 7, "minute": 38}
